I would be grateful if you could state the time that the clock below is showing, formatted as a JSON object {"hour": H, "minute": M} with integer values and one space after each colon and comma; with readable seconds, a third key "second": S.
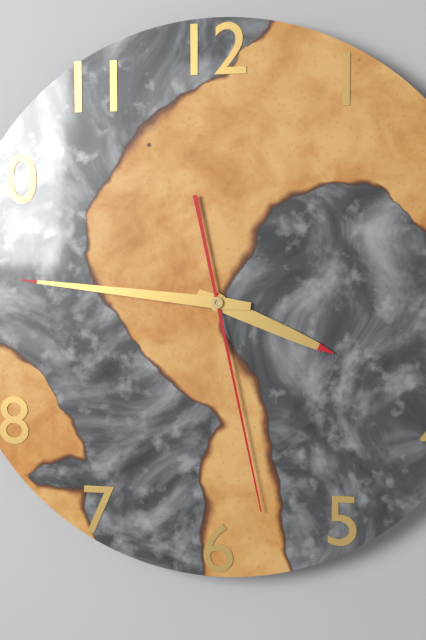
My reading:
{"hour": 3, "minute": 46, "second": 28}
